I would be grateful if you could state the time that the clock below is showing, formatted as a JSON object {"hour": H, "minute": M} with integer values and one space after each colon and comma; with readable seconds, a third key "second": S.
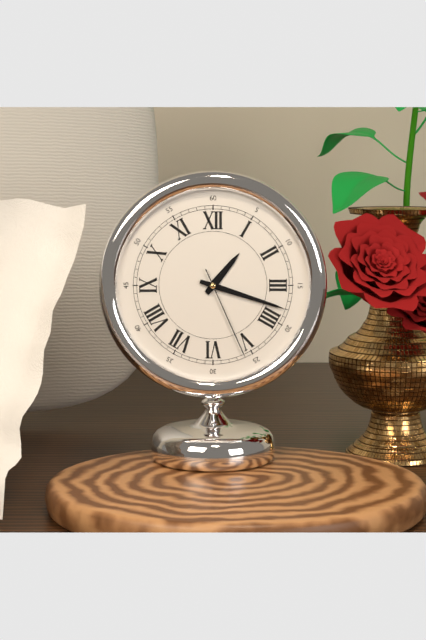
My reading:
{"hour": 1, "minute": 18, "second": 26}
